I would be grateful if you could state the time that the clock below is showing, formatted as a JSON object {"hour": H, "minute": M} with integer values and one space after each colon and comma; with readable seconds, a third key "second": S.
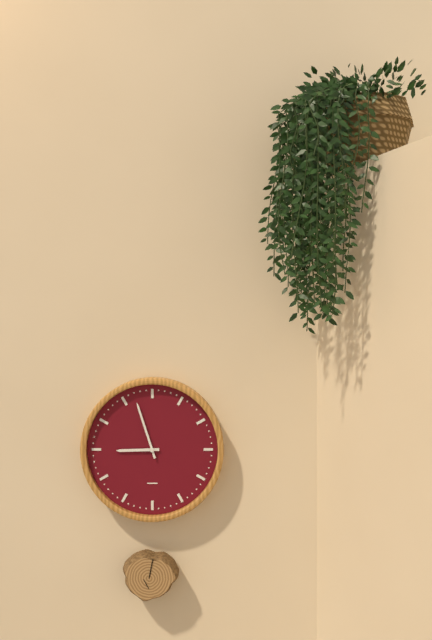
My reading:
{"hour": 8, "minute": 57}
